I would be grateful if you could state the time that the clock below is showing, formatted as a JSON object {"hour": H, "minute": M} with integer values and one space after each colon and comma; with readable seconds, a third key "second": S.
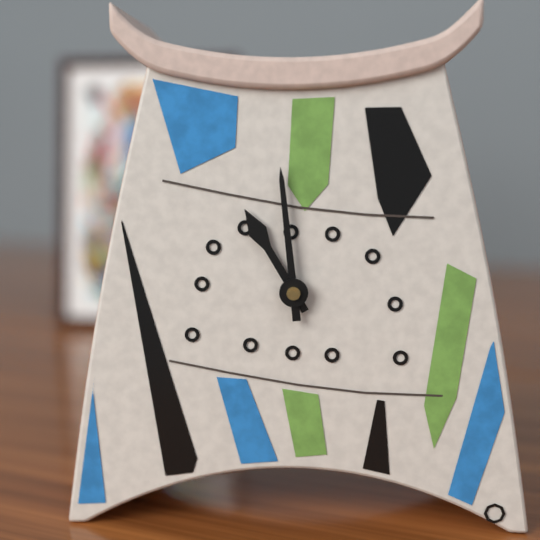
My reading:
{"hour": 10, "minute": 59}
